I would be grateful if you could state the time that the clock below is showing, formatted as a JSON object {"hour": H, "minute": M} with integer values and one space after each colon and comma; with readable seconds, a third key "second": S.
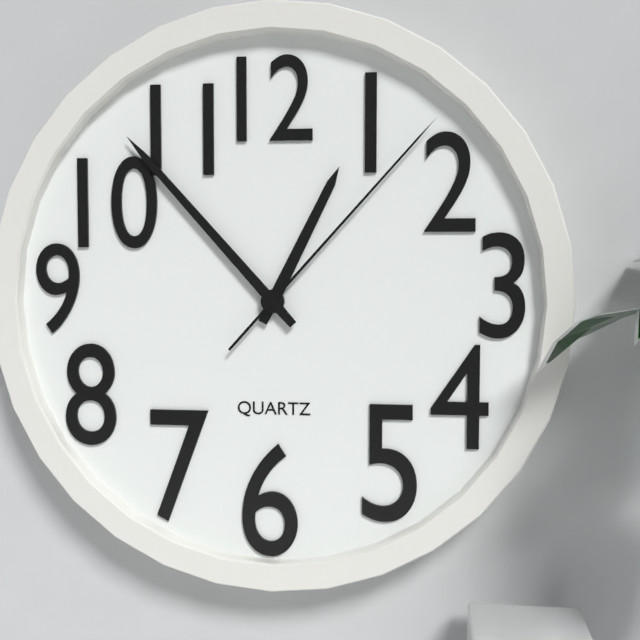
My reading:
{"hour": 12, "minute": 53, "second": 7}
